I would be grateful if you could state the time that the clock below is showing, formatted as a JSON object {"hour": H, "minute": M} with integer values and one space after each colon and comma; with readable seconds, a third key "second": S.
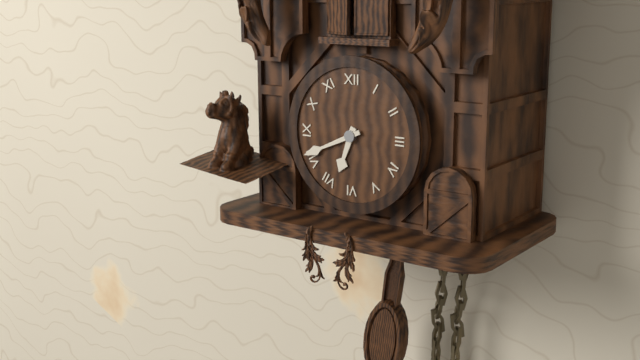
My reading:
{"hour": 6, "minute": 41}
